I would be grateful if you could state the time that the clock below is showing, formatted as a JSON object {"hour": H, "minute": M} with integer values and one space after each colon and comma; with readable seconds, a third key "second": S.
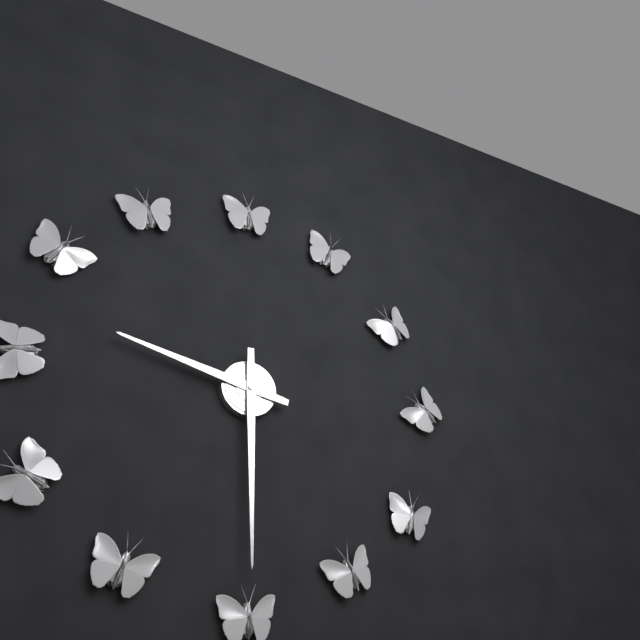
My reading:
{"hour": 9, "minute": 30}
